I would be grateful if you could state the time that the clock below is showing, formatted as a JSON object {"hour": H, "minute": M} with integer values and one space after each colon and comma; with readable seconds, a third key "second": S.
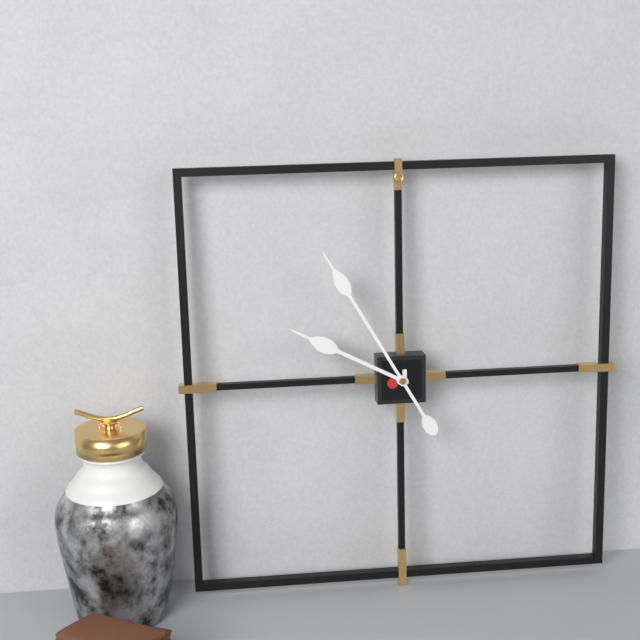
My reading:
{"hour": 9, "minute": 55}
